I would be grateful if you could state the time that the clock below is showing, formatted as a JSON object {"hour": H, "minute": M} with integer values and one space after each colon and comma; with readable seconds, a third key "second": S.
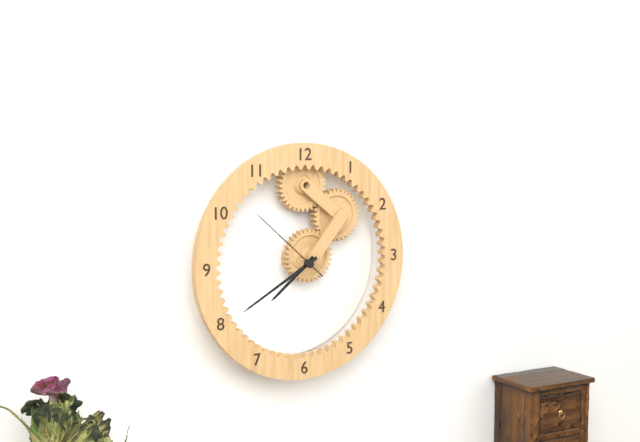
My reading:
{"hour": 7, "minute": 40, "second": 52}
